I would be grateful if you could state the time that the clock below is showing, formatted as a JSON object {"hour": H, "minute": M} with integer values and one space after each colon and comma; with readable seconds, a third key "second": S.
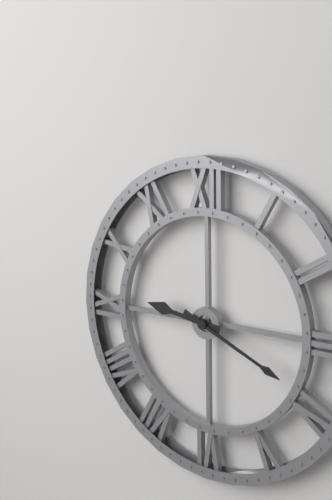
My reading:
{"hour": 9, "minute": 19}
